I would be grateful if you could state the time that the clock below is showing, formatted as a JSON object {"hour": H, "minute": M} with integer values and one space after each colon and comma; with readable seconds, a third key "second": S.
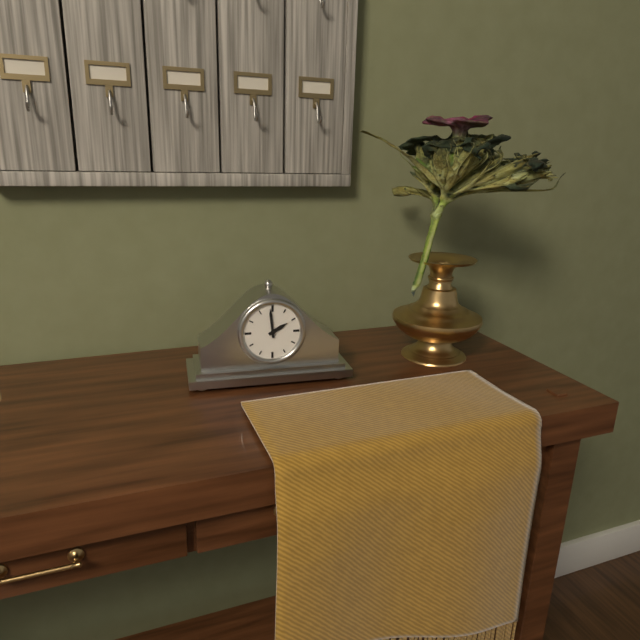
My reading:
{"hour": 1, "minute": 59}
